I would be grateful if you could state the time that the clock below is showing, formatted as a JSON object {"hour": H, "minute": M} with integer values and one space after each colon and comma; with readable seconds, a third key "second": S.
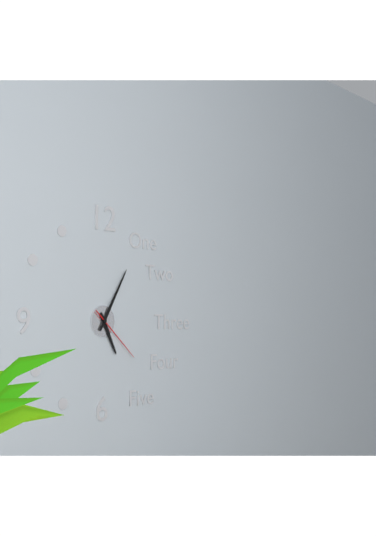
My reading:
{"hour": 5, "minute": 5, "second": 22}
